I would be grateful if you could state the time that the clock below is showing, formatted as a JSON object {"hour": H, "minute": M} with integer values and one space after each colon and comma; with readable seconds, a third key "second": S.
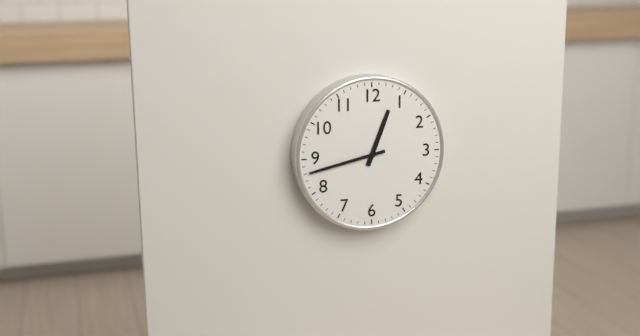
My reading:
{"hour": 12, "minute": 43}
